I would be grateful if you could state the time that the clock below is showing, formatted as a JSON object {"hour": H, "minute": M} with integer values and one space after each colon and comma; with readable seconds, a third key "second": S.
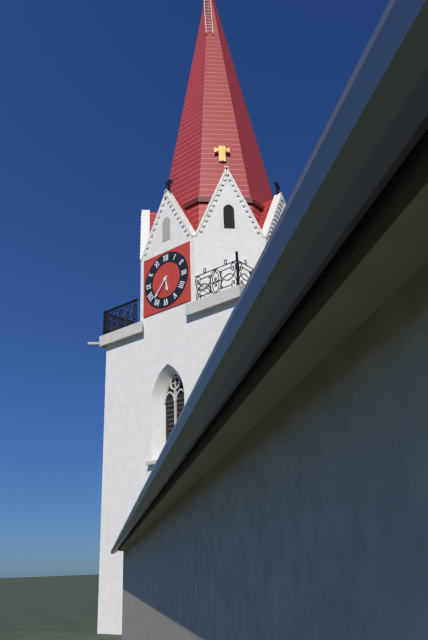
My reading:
{"hour": 5, "minute": 37}
